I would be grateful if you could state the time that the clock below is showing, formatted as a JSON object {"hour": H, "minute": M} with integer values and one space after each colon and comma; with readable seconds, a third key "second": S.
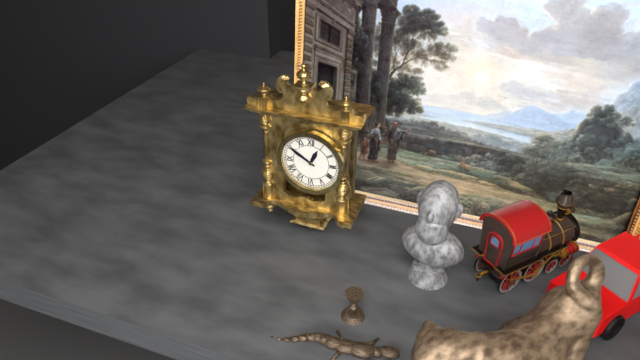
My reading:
{"hour": 12, "minute": 50}
